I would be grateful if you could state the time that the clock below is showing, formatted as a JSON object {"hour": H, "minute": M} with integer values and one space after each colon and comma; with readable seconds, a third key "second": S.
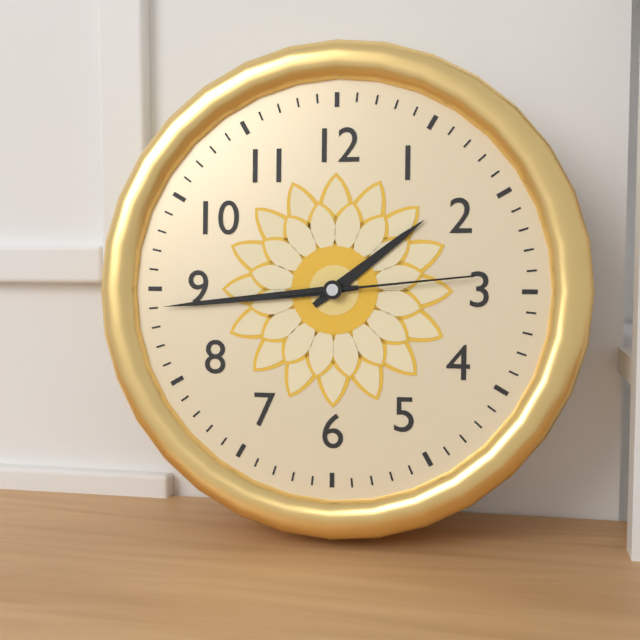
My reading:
{"hour": 1, "minute": 44, "second": 14}
